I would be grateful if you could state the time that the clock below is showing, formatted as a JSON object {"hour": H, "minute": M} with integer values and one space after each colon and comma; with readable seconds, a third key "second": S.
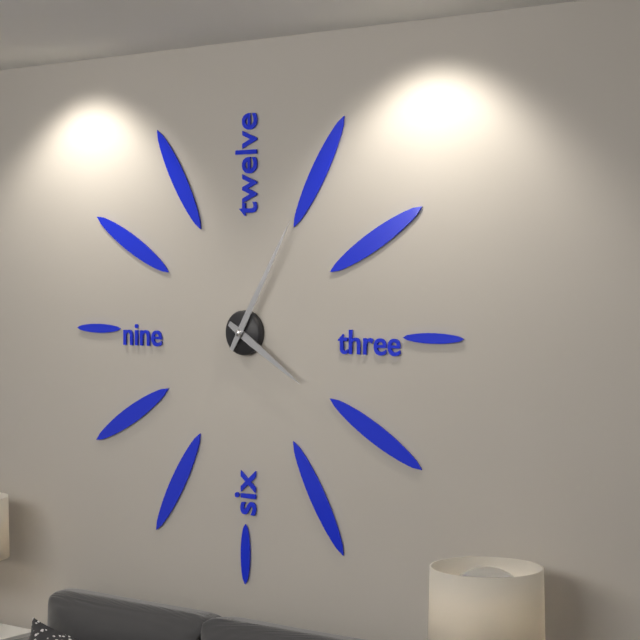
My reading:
{"hour": 4, "minute": 5}
